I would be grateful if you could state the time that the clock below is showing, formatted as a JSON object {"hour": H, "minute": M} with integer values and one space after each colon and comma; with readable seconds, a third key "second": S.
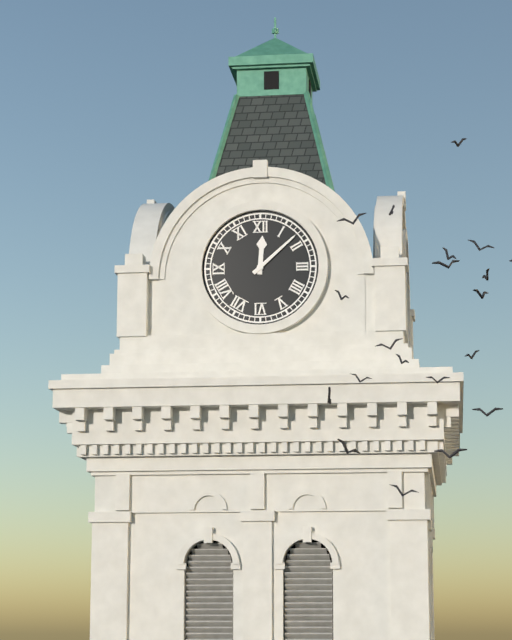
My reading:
{"hour": 12, "minute": 8}
